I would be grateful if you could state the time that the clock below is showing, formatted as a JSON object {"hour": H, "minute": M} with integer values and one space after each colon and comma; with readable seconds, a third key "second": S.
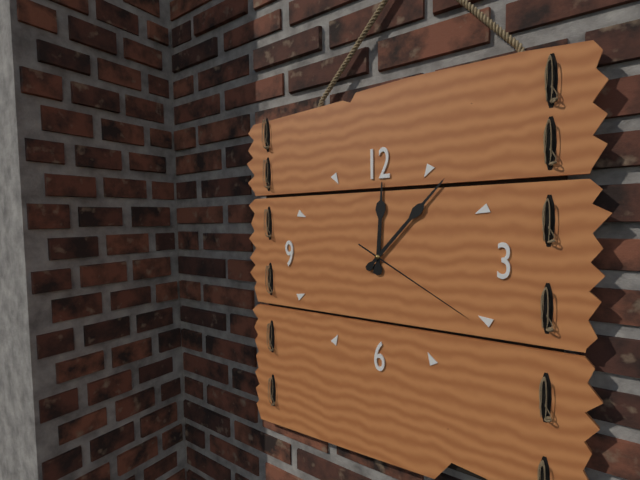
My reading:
{"hour": 12, "minute": 7, "second": 20}
